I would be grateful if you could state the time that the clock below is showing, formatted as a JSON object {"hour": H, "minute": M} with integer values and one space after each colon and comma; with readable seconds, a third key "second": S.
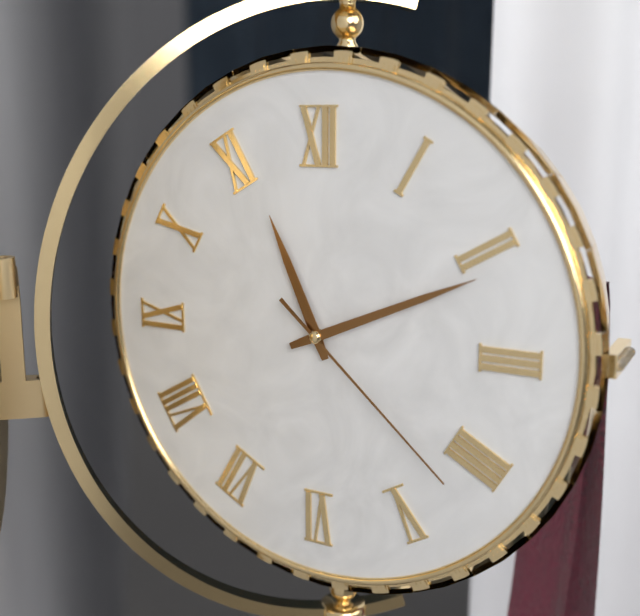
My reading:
{"hour": 11, "minute": 11, "second": 22}
